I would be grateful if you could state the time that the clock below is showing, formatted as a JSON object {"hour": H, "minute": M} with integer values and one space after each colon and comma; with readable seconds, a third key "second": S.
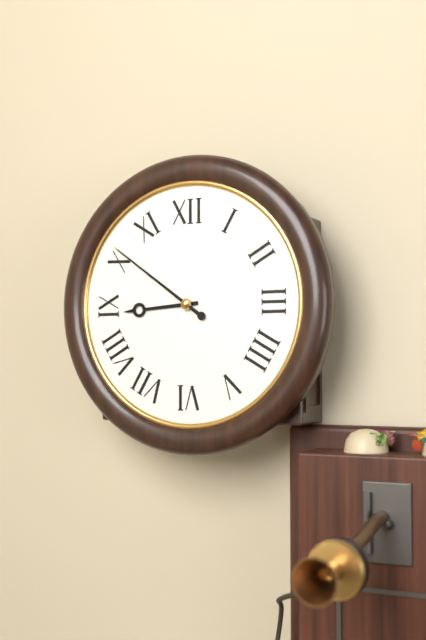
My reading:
{"hour": 8, "minute": 51}
